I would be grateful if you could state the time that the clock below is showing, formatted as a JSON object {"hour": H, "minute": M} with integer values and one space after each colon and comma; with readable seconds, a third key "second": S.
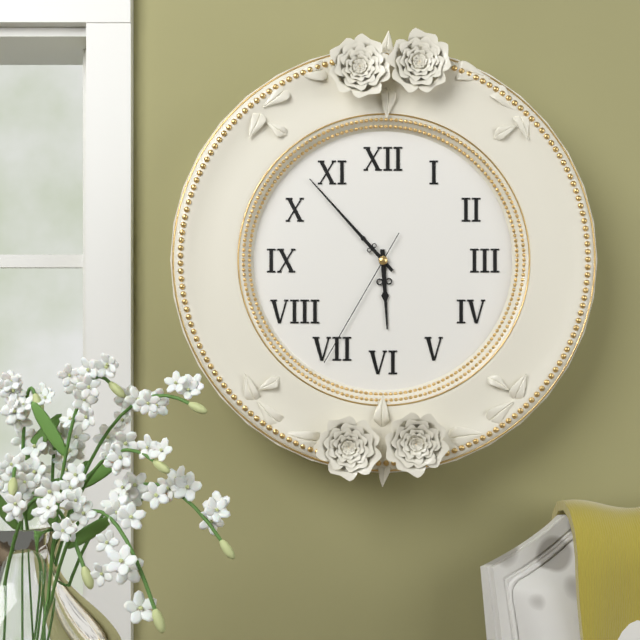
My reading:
{"hour": 5, "minute": 53, "second": 35}
